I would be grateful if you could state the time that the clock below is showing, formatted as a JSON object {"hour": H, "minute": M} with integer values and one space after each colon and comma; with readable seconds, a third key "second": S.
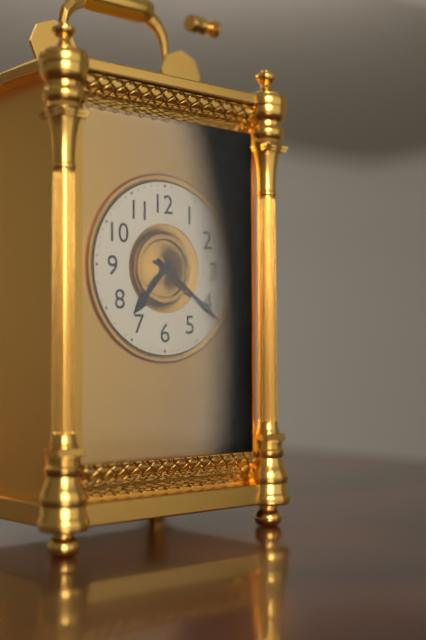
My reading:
{"hour": 7, "minute": 21}
